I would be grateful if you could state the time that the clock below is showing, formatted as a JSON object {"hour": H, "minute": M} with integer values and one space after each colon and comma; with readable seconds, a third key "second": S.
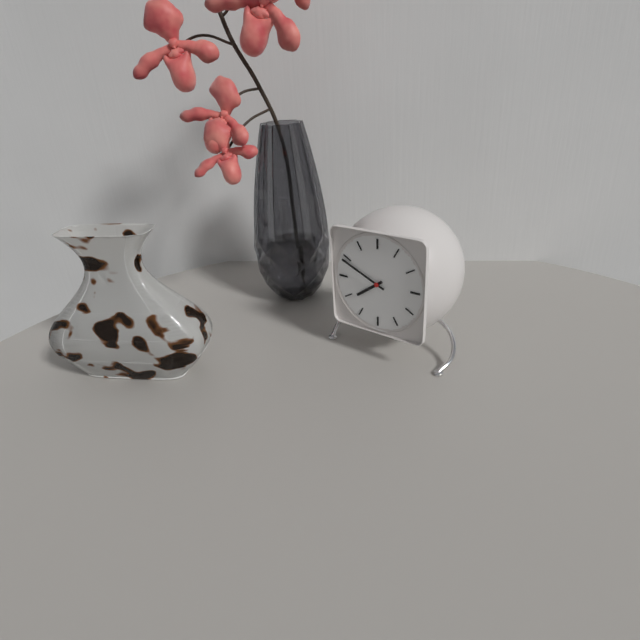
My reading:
{"hour": 7, "minute": 49}
